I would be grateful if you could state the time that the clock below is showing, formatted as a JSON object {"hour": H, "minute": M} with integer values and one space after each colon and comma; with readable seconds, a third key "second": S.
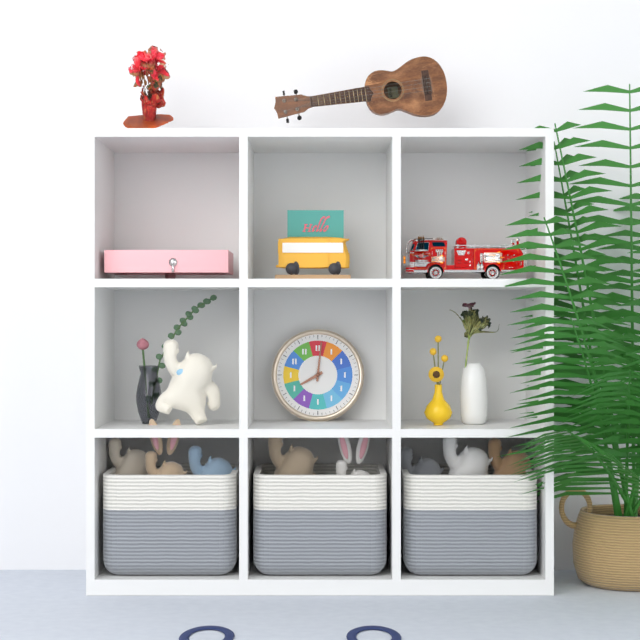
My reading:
{"hour": 8, "minute": 1}
